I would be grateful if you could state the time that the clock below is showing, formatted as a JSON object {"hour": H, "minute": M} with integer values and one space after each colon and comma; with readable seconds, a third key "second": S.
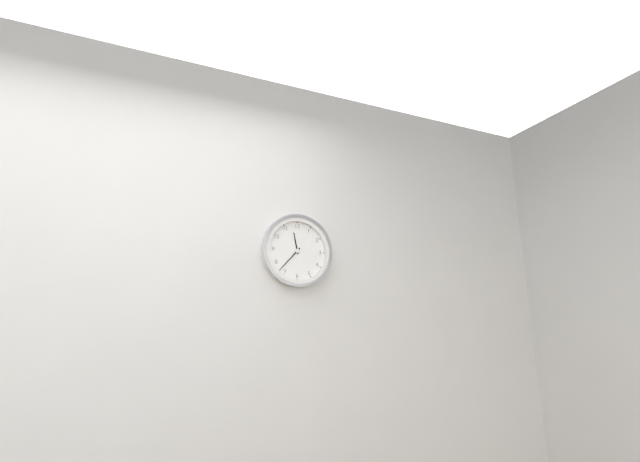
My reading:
{"hour": 11, "minute": 37}
